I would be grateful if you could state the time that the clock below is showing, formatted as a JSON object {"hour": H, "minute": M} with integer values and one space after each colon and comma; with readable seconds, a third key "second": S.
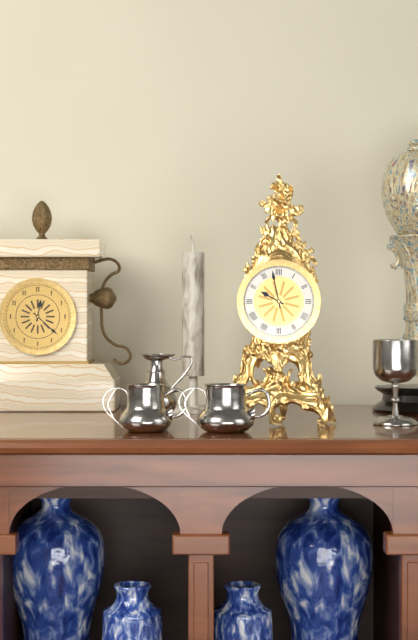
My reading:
{"hour": 9, "minute": 58}
